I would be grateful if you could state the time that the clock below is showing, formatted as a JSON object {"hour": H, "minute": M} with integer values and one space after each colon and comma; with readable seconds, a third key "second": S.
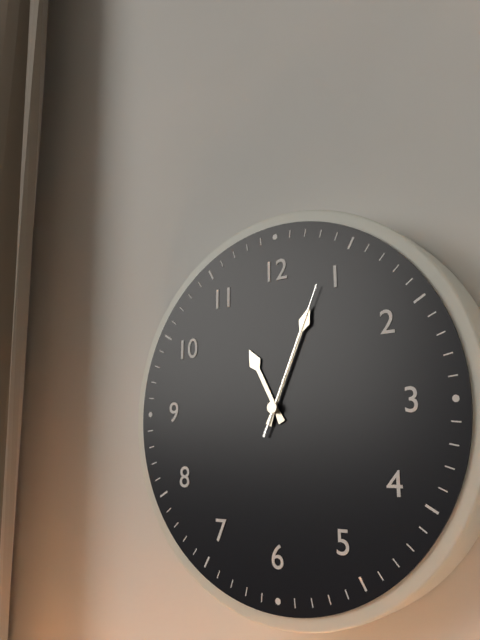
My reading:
{"hour": 11, "minute": 4, "second": 4}
